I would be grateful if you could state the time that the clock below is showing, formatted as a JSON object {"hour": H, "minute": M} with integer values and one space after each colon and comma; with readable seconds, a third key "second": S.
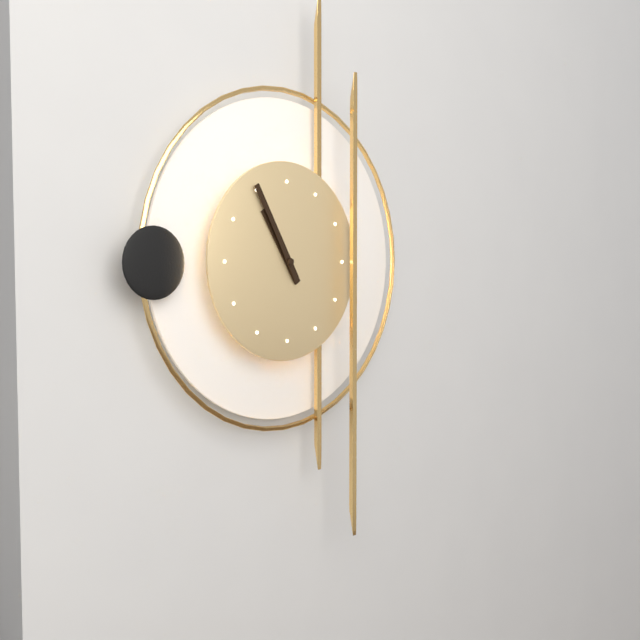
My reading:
{"hour": 10, "minute": 55}
